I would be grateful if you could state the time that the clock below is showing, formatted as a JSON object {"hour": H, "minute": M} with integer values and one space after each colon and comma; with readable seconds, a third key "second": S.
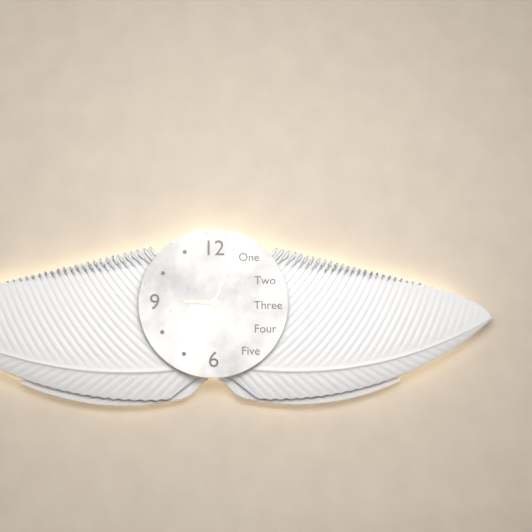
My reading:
{"hour": 9, "minute": 4}
